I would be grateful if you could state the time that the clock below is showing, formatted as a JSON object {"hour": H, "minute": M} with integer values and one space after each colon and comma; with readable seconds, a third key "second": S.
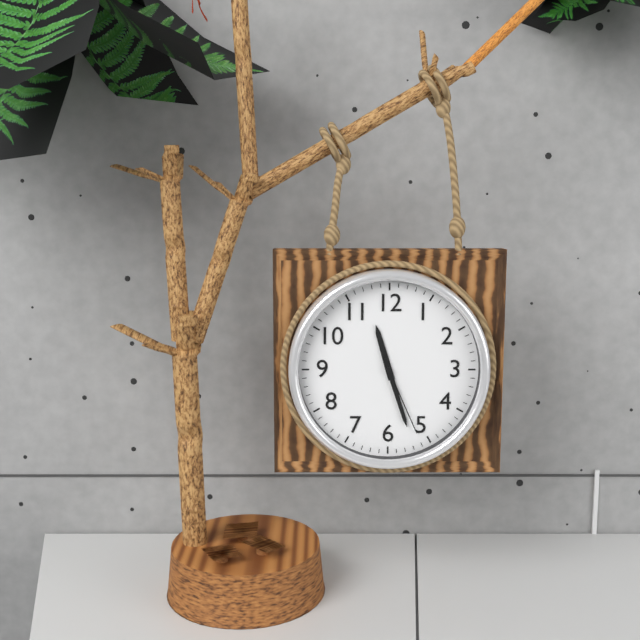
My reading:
{"hour": 11, "minute": 27, "second": 26}
